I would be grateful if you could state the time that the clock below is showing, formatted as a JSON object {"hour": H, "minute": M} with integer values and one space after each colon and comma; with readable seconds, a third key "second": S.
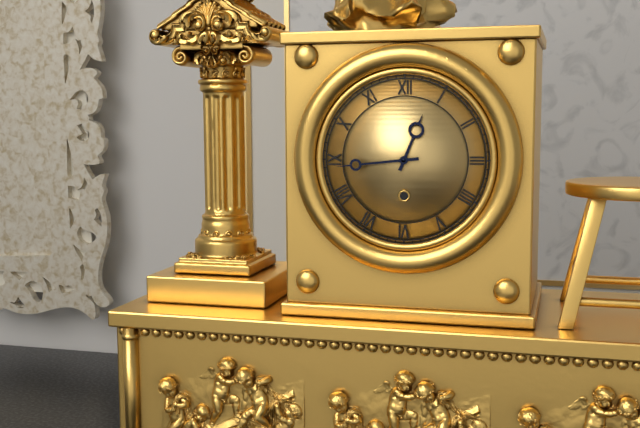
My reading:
{"hour": 12, "minute": 44}
